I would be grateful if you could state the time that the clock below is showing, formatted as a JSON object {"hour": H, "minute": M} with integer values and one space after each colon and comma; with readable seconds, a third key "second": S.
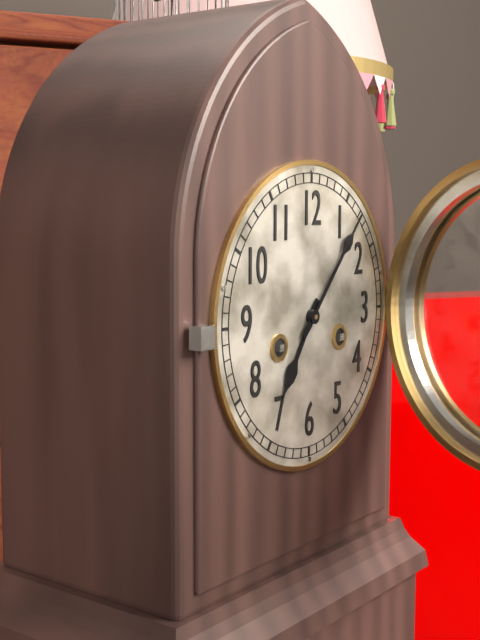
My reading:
{"hour": 7, "minute": 7}
